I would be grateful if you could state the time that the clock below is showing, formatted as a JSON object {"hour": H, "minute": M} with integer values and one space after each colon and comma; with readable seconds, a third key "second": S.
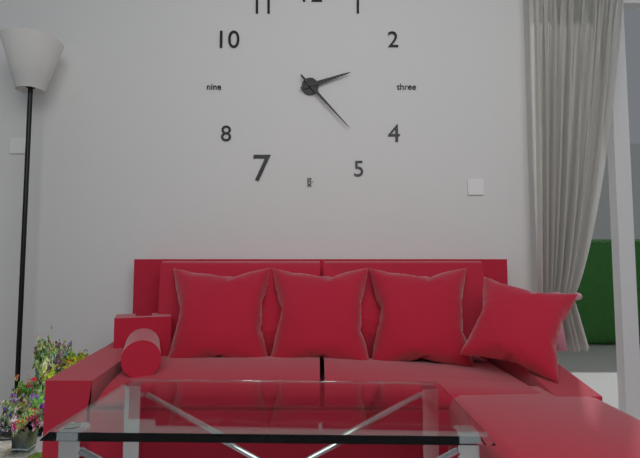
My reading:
{"hour": 2, "minute": 23}
